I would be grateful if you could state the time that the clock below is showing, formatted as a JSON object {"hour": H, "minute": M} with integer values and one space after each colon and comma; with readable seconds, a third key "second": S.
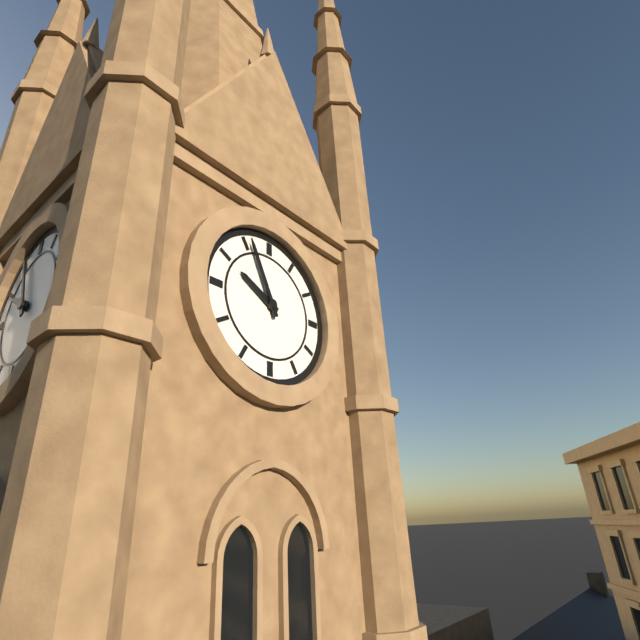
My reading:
{"hour": 9, "minute": 56}
